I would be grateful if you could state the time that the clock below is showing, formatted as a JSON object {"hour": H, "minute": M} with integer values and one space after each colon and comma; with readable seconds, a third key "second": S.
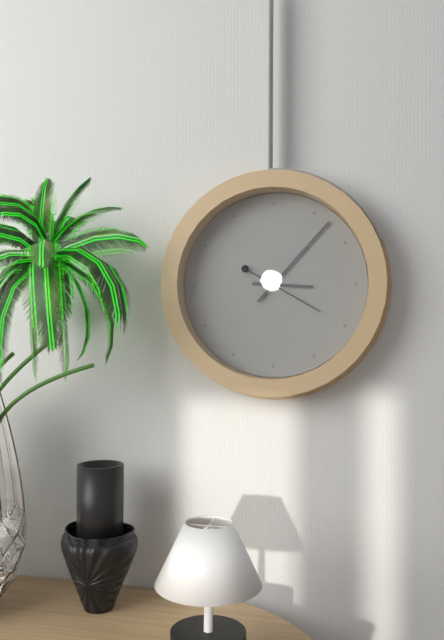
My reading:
{"hour": 3, "minute": 7, "second": 20}
